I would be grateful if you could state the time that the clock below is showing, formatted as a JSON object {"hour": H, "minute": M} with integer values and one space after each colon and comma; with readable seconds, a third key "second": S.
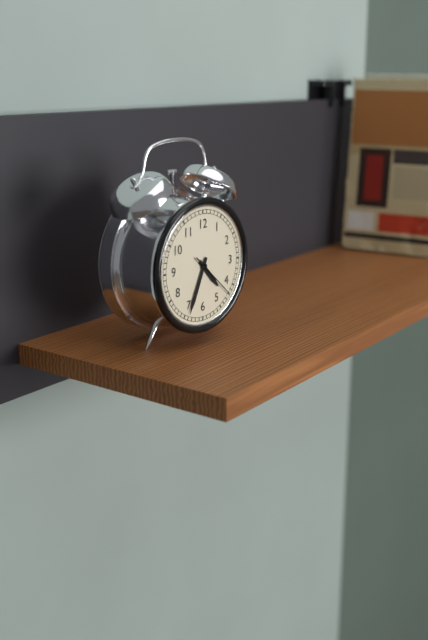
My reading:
{"hour": 4, "minute": 34}
